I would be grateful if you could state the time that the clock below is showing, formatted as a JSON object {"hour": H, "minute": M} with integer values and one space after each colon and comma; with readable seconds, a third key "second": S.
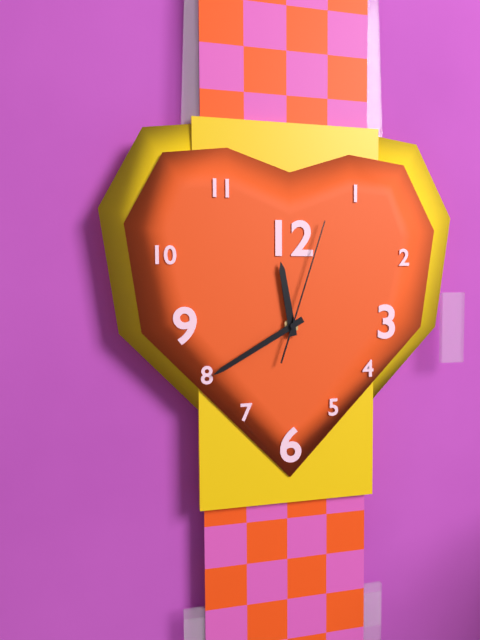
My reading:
{"hour": 11, "minute": 40, "second": 3}
